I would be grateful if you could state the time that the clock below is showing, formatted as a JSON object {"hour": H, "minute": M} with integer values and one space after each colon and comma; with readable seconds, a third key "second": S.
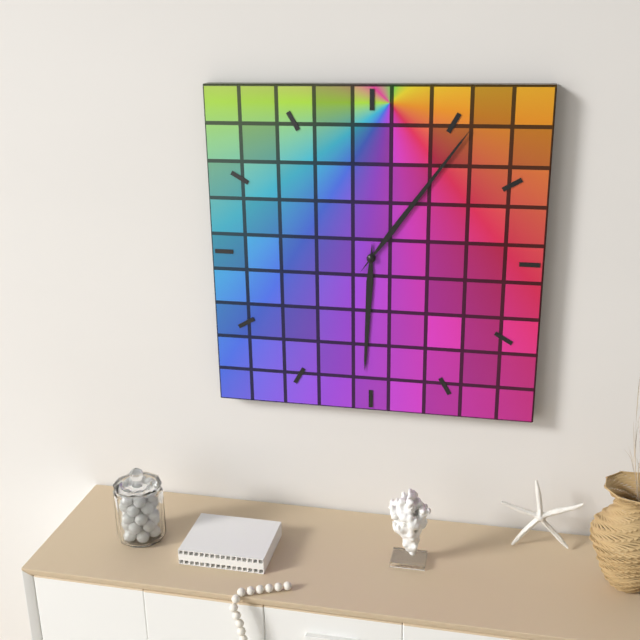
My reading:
{"hour": 6, "minute": 6}
